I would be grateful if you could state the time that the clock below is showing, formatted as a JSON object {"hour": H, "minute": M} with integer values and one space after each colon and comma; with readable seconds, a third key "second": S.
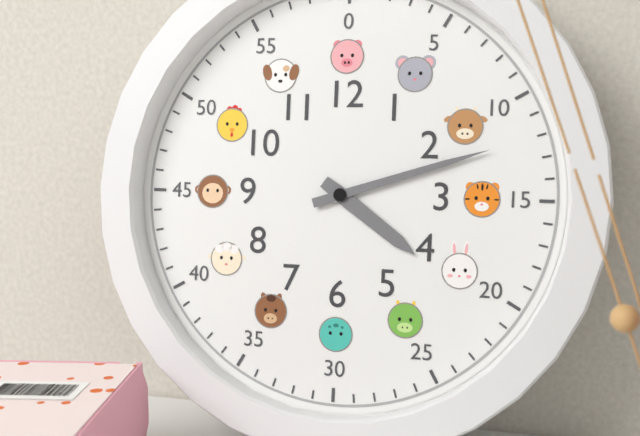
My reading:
{"hour": 4, "minute": 12}
